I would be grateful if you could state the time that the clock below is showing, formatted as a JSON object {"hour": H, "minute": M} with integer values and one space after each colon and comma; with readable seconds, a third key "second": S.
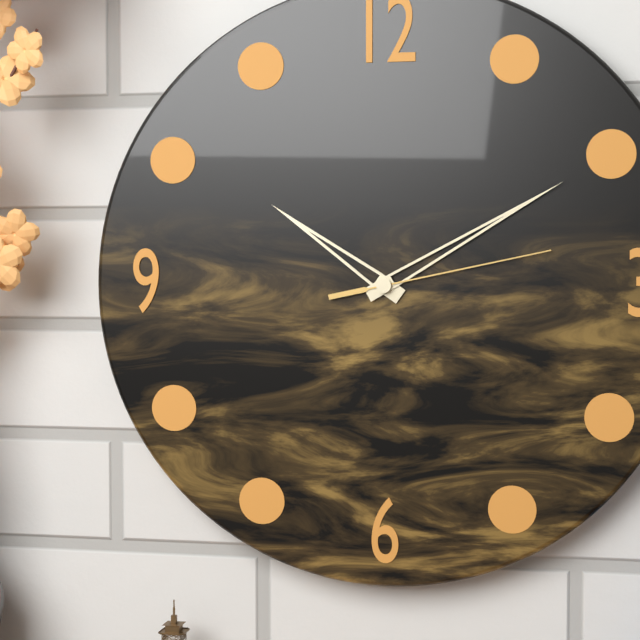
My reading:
{"hour": 10, "minute": 10, "second": 13}
